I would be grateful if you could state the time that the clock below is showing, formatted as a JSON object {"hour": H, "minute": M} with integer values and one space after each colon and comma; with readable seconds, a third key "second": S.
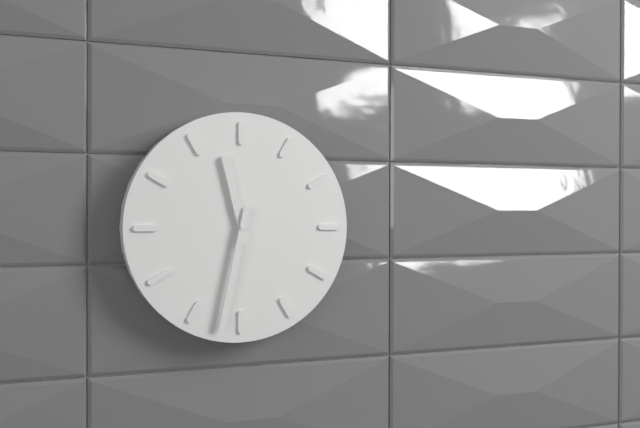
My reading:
{"hour": 11, "minute": 32}
